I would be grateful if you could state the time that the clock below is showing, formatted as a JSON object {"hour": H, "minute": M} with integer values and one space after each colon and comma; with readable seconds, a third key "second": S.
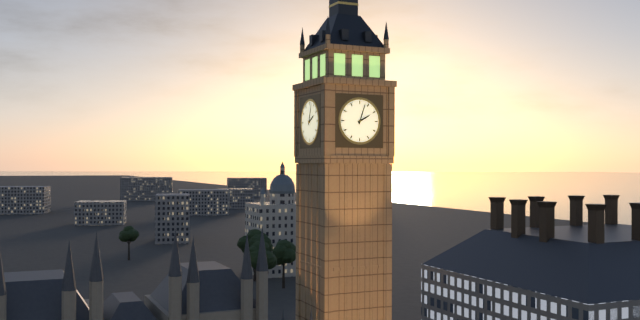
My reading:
{"hour": 2, "minute": 3}
